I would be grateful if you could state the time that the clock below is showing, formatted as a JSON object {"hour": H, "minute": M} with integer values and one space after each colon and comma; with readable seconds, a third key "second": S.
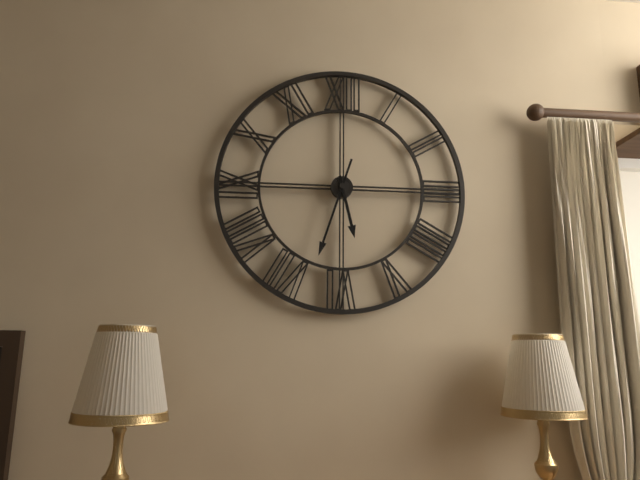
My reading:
{"hour": 5, "minute": 33}
